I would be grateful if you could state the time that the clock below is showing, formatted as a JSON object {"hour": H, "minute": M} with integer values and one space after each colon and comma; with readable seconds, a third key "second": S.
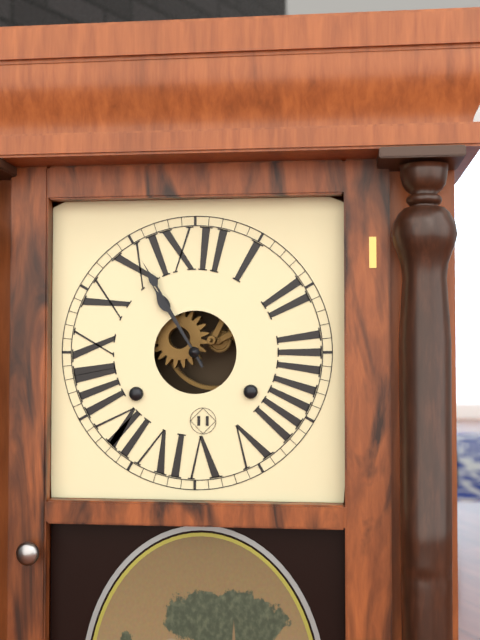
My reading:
{"hour": 10, "minute": 55}
